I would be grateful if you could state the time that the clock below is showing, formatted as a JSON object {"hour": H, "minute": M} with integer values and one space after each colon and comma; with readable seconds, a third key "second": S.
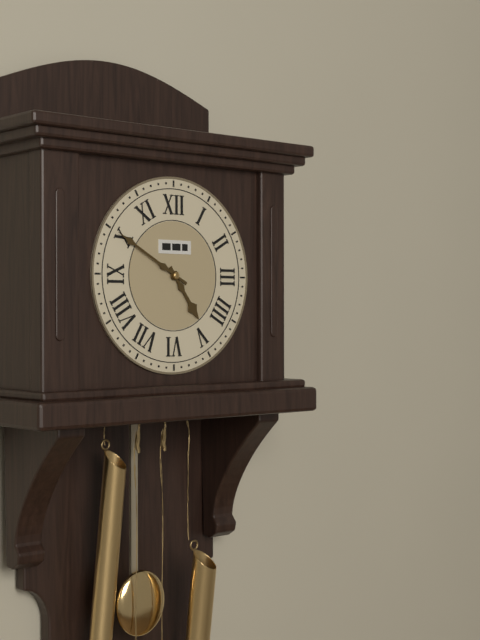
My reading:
{"hour": 4, "minute": 50}
